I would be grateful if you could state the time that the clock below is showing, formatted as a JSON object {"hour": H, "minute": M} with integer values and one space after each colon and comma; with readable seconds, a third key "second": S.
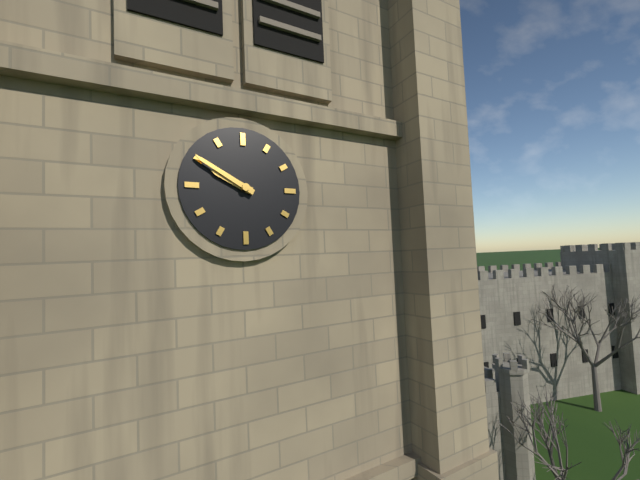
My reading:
{"hour": 9, "minute": 50}
